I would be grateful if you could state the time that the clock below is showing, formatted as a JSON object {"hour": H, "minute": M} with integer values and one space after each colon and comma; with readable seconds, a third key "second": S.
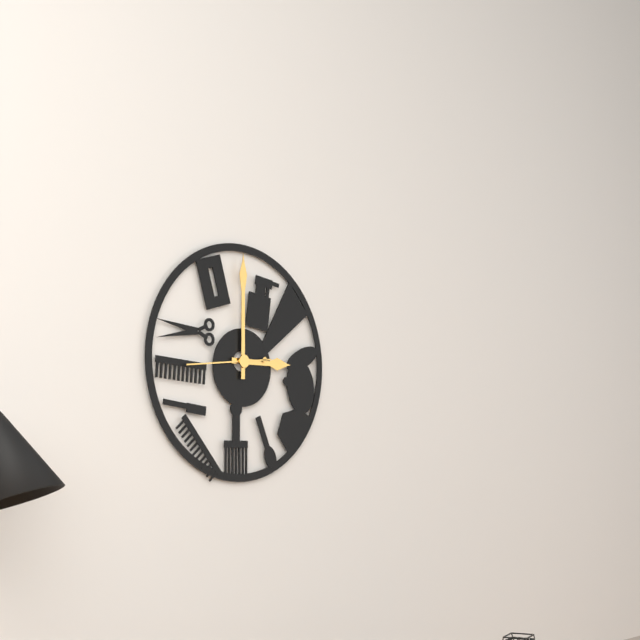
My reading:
{"hour": 3, "minute": 0, "second": 44}
